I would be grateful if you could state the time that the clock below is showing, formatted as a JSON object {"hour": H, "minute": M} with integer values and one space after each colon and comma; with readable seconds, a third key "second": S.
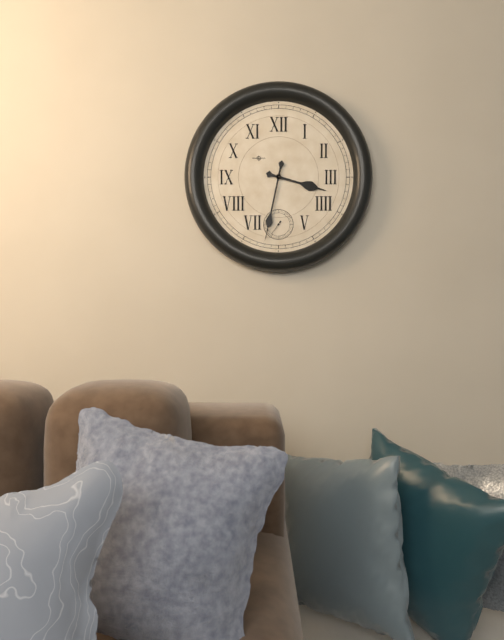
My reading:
{"hour": 3, "minute": 32}
